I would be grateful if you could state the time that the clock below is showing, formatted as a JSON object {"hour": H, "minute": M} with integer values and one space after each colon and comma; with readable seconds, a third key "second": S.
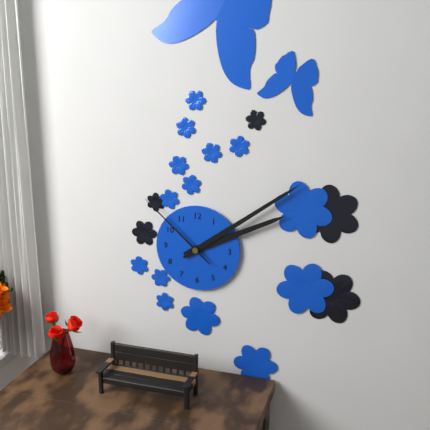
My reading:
{"hour": 2, "minute": 9, "second": 52}
